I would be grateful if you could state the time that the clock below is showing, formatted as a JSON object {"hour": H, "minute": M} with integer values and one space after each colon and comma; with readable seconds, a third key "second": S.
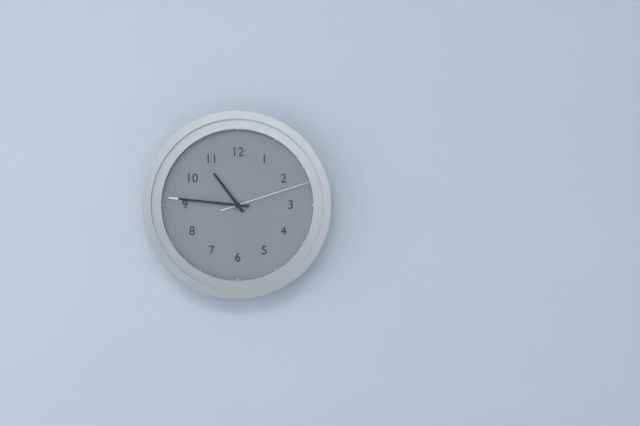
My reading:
{"hour": 10, "minute": 46, "second": 12}
